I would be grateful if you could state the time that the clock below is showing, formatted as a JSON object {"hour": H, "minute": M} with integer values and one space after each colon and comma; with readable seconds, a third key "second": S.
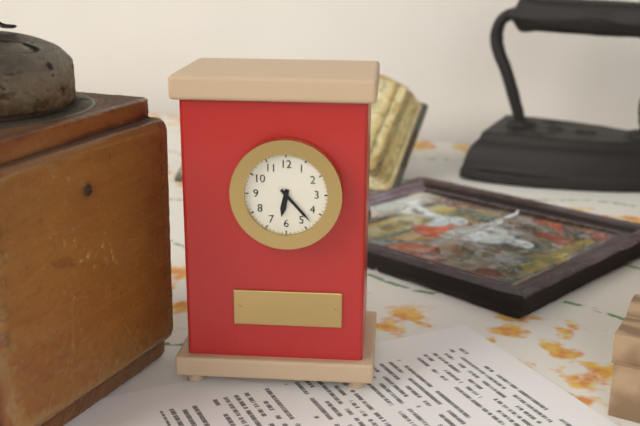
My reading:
{"hour": 6, "minute": 23}
